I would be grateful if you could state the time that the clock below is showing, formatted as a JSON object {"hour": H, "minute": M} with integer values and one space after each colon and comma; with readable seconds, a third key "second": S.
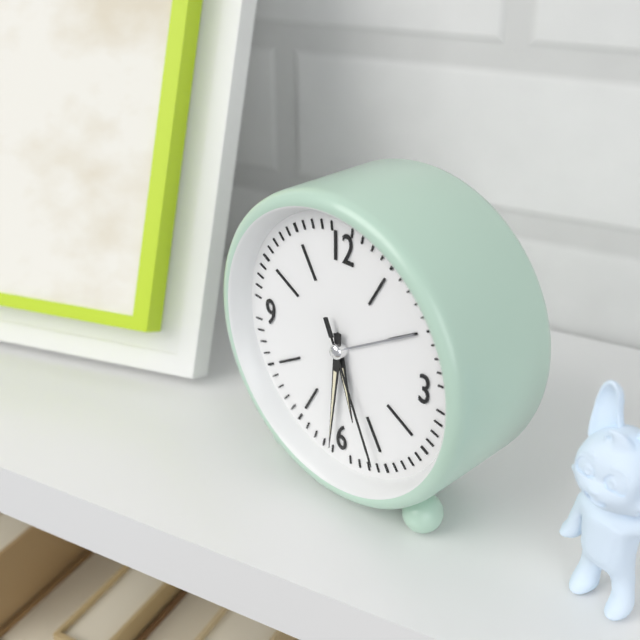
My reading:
{"hour": 5, "minute": 31, "second": 26}
